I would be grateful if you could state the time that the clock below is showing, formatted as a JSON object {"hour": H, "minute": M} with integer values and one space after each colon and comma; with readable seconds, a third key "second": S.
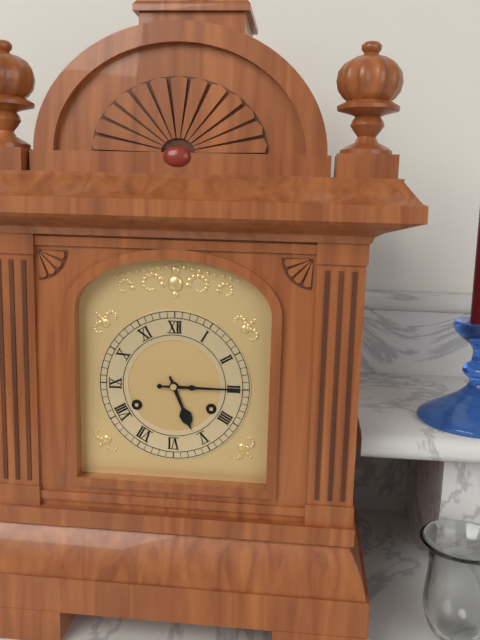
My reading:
{"hour": 5, "minute": 15}
